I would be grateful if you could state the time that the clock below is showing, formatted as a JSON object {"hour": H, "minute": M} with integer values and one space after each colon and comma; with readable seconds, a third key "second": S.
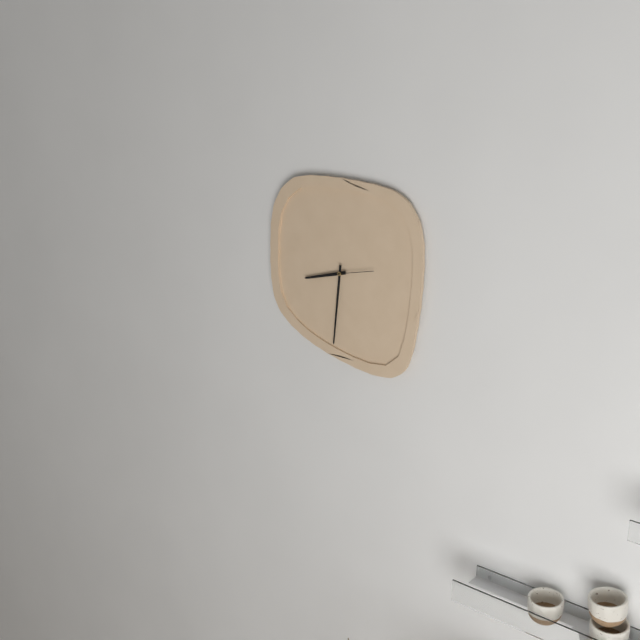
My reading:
{"hour": 8, "minute": 31}
